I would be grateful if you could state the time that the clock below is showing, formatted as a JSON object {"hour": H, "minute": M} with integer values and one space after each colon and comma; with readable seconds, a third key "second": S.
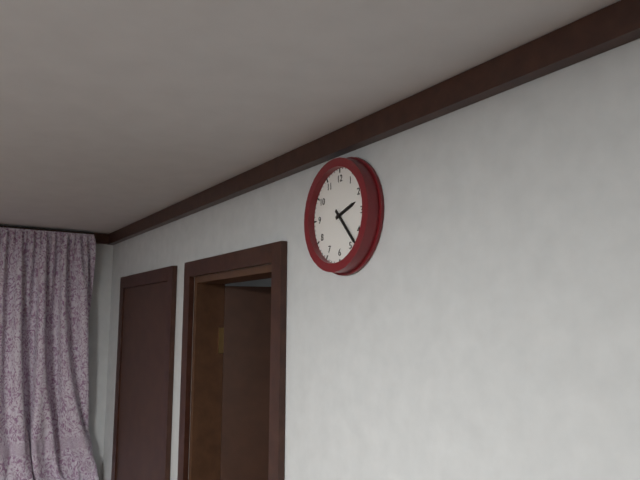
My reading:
{"hour": 2, "minute": 23}
